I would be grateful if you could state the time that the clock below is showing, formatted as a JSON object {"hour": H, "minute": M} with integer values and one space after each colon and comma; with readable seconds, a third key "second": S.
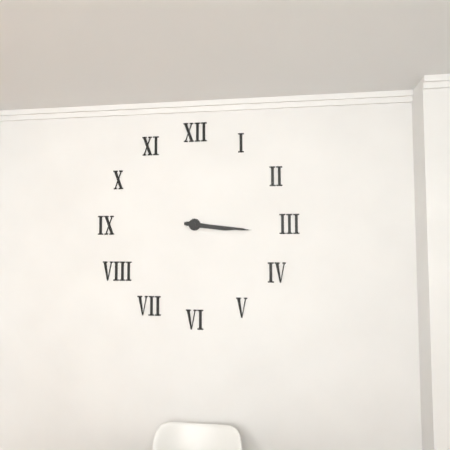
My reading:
{"hour": 3, "minute": 16}
